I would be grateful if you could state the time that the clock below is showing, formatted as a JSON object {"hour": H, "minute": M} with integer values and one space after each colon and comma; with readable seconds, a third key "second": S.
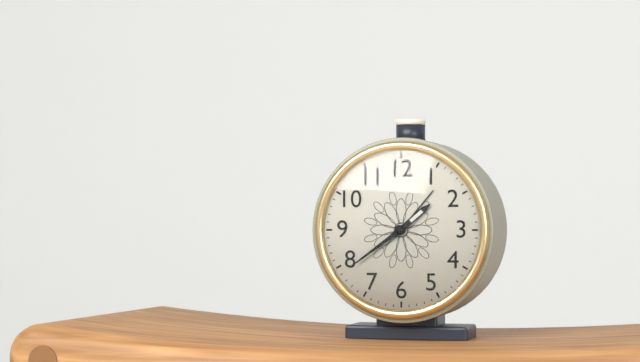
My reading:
{"hour": 1, "minute": 39}
